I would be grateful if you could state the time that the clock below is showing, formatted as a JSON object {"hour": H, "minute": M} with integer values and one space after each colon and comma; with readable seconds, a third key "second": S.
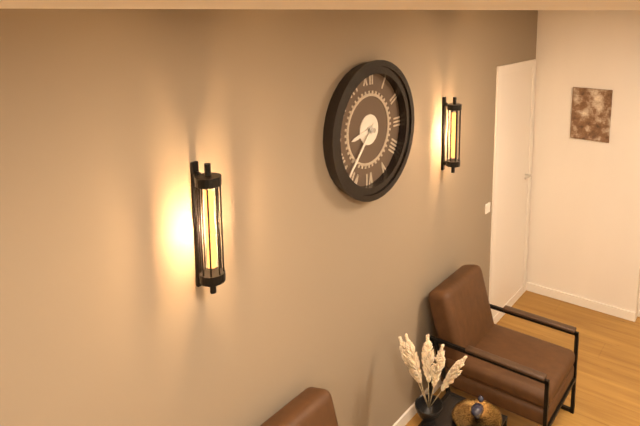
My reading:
{"hour": 8, "minute": 37}
